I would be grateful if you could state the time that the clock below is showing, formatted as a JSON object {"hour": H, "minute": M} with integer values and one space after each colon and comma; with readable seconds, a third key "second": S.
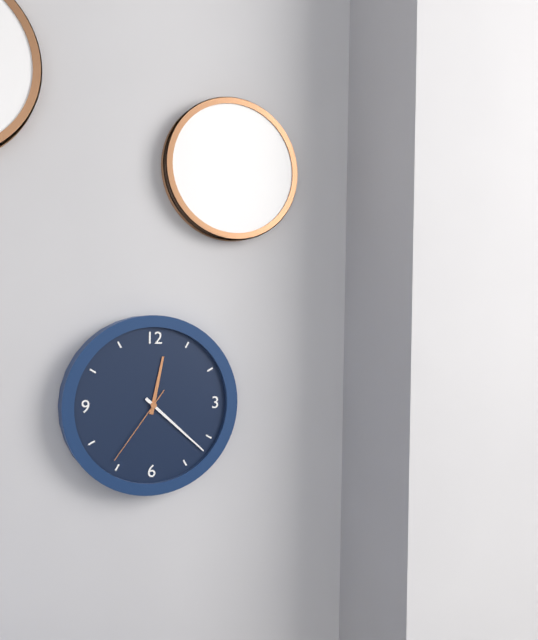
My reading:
{"hour": 12, "minute": 22, "second": 36}
